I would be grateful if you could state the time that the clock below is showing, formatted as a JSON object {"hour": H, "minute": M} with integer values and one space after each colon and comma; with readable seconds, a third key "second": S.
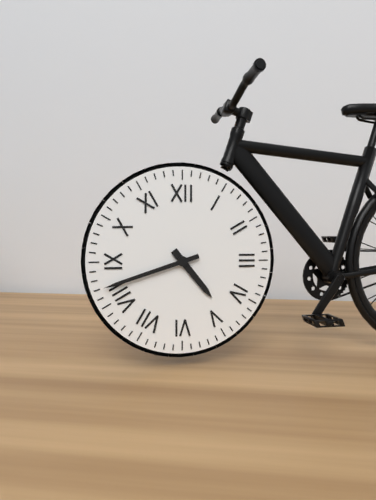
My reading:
{"hour": 4, "minute": 42}
